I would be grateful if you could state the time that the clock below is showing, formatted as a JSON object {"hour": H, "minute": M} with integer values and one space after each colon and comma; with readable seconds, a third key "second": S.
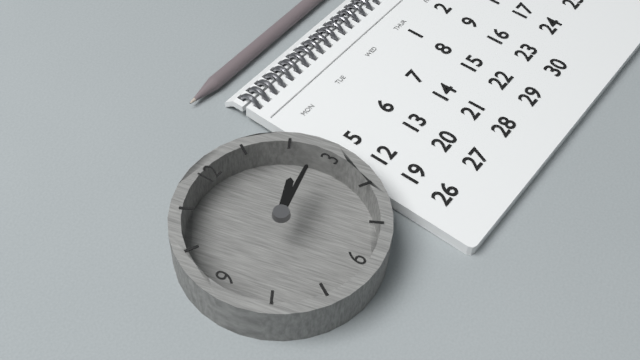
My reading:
{"hour": 2, "minute": 13}
